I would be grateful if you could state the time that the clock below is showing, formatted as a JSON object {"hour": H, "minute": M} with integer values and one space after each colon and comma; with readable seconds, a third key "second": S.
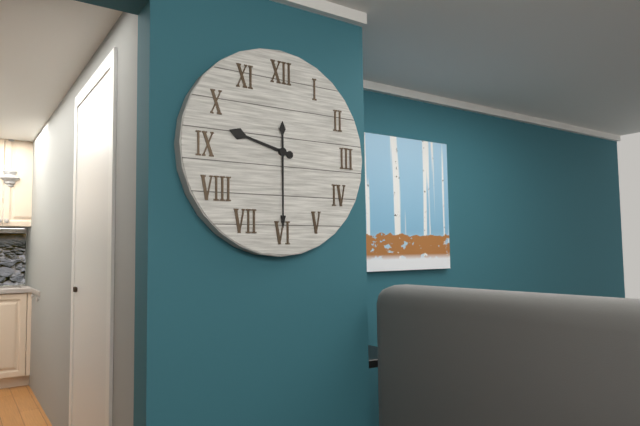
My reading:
{"hour": 9, "minute": 30}
